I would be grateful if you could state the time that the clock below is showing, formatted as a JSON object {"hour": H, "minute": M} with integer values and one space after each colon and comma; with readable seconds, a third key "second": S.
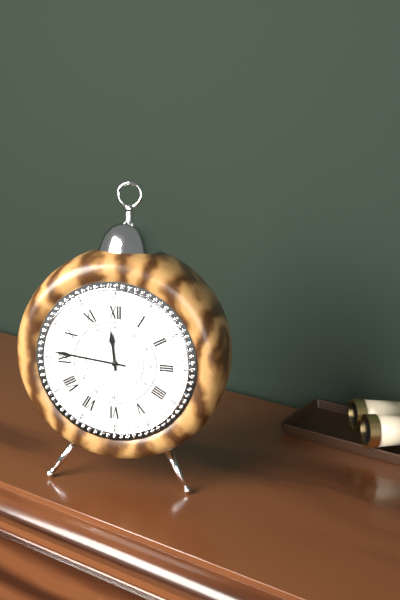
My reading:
{"hour": 11, "minute": 46}
